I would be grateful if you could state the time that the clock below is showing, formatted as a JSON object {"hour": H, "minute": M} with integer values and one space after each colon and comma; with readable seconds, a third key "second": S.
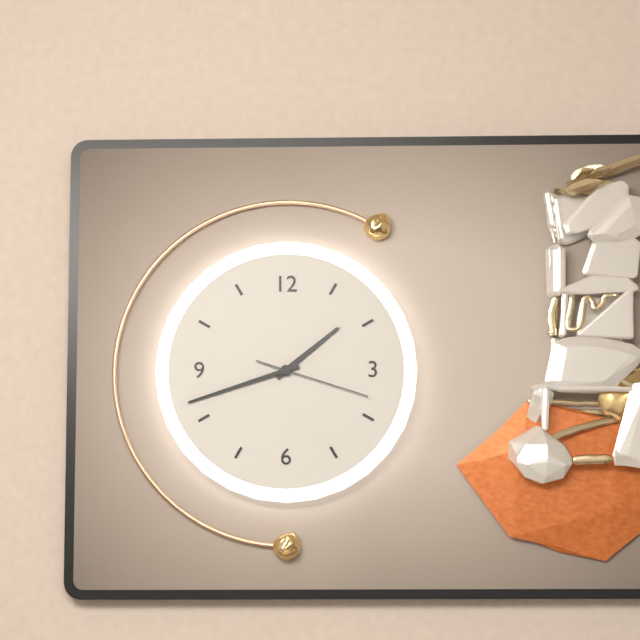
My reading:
{"hour": 1, "minute": 42, "second": 18}
